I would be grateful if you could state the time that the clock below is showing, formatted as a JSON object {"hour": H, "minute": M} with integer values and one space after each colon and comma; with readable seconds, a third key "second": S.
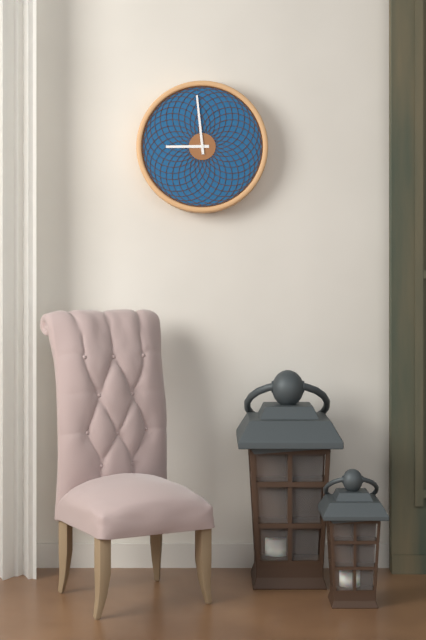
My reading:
{"hour": 8, "minute": 59}
